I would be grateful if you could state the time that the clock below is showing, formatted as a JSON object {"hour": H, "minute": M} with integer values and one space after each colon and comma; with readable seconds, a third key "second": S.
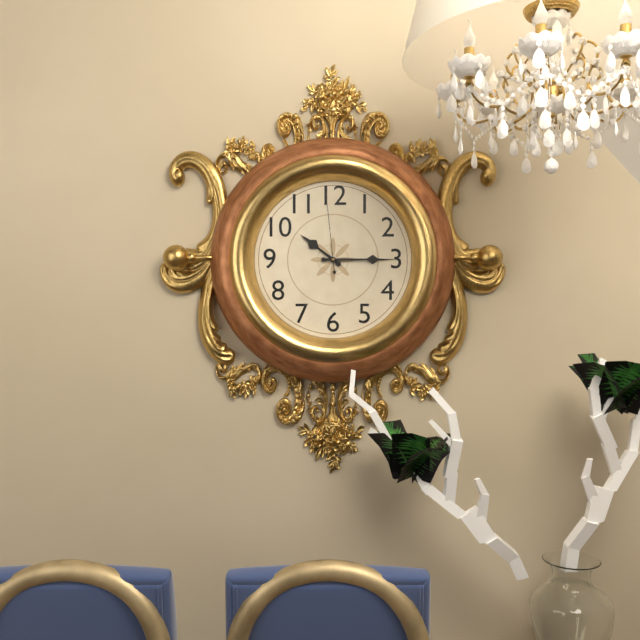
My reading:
{"hour": 10, "minute": 15, "second": 59}
